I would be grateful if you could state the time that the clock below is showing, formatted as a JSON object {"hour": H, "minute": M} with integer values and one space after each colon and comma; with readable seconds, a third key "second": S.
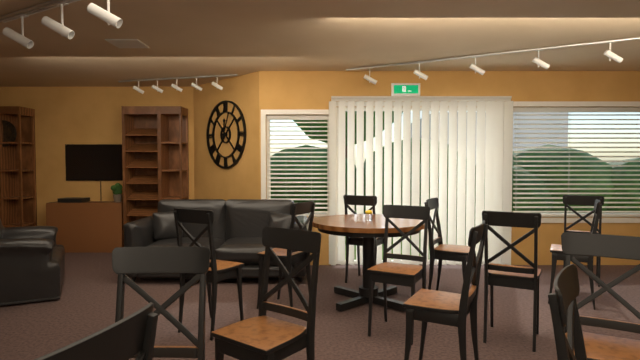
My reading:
{"hour": 12, "minute": 4}
